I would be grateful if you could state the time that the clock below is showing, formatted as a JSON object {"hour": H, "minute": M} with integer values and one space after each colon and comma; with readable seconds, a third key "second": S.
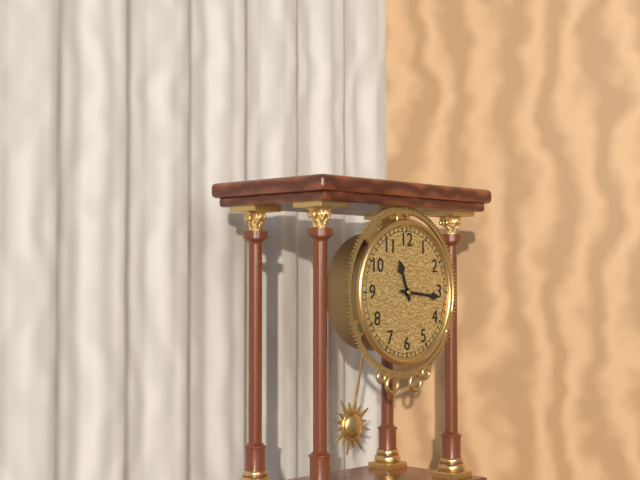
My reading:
{"hour": 11, "minute": 16}
